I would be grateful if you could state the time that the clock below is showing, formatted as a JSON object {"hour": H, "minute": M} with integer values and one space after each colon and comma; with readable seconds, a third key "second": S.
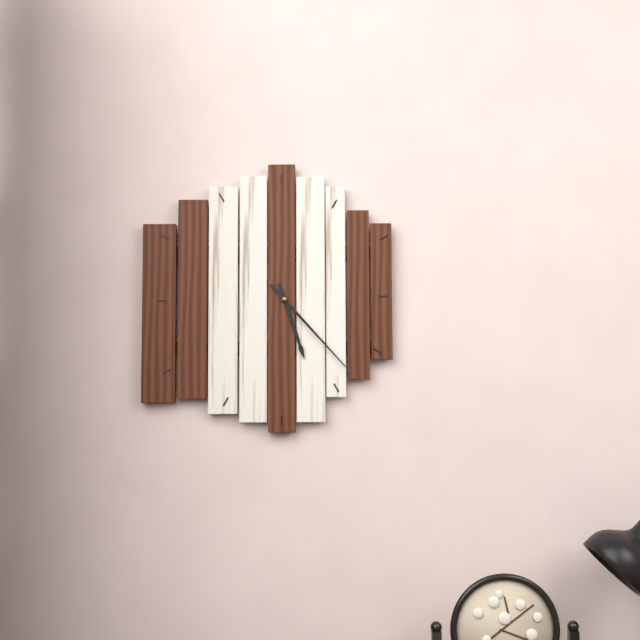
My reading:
{"hour": 5, "minute": 23}
